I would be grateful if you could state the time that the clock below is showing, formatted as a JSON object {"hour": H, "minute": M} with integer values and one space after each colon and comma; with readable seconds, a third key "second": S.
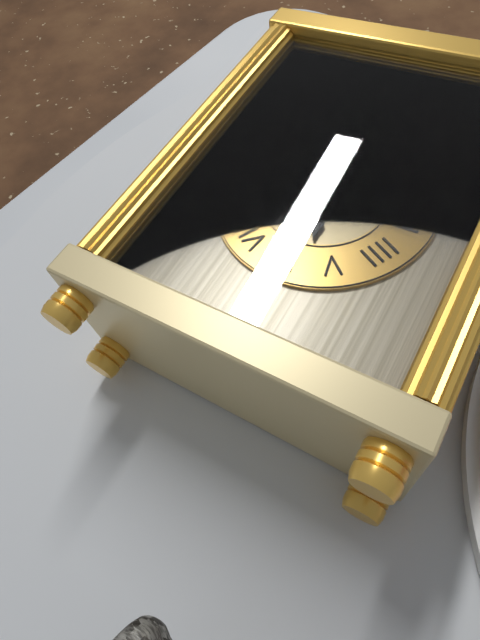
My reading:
{"hour": 5, "minute": 31}
